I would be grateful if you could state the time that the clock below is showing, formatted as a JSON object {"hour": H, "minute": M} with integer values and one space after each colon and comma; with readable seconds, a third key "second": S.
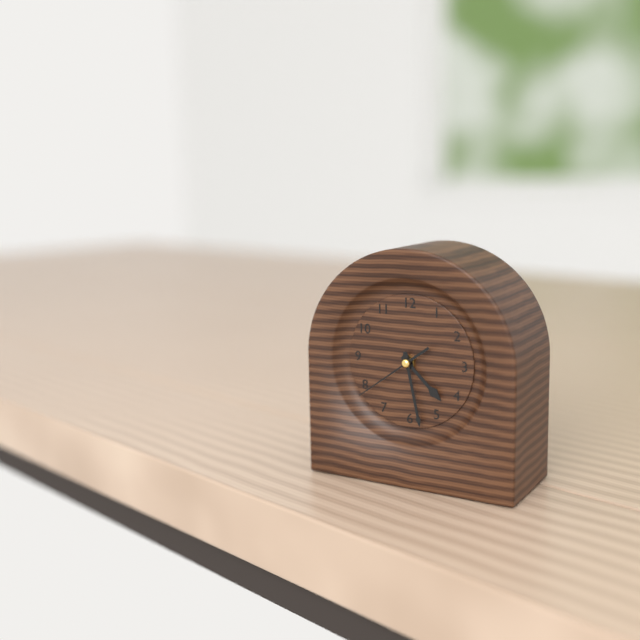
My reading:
{"hour": 4, "minute": 28, "second": 39}
